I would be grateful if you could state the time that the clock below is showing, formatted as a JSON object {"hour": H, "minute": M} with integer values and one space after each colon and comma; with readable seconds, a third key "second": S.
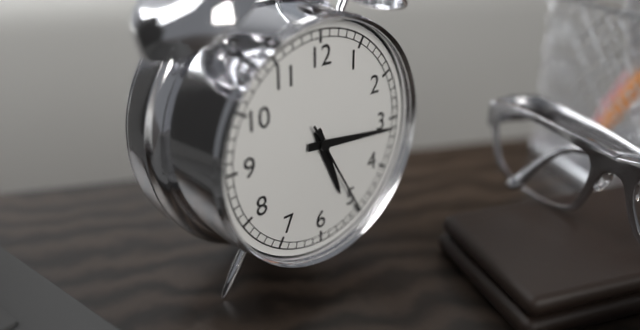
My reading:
{"hour": 5, "minute": 16, "second": 25}
